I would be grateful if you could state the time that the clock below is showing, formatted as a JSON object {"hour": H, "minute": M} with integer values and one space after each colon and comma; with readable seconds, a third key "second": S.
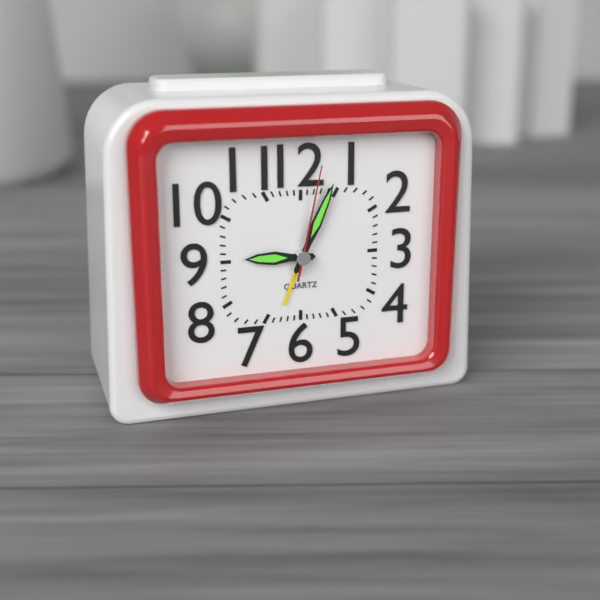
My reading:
{"hour": 9, "minute": 4, "second": 2}
